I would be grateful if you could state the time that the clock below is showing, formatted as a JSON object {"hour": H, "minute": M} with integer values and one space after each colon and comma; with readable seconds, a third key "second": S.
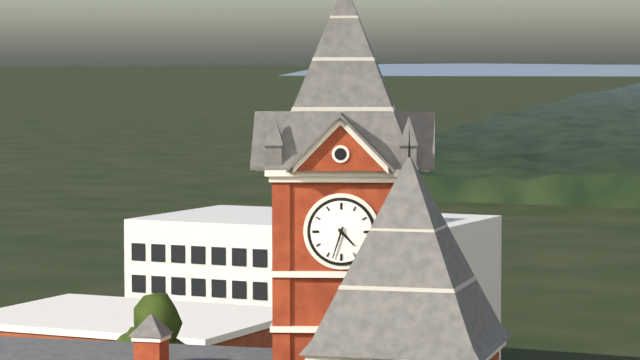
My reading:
{"hour": 4, "minute": 33}
